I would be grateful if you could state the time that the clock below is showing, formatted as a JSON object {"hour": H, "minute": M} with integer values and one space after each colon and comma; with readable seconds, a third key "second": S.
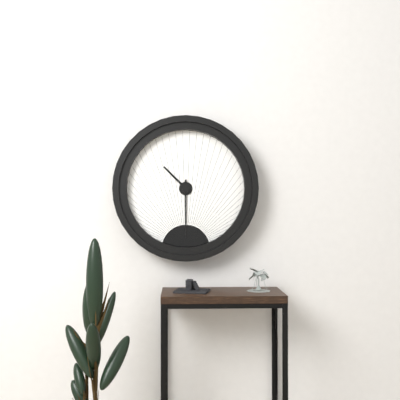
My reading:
{"hour": 10, "minute": 30}
